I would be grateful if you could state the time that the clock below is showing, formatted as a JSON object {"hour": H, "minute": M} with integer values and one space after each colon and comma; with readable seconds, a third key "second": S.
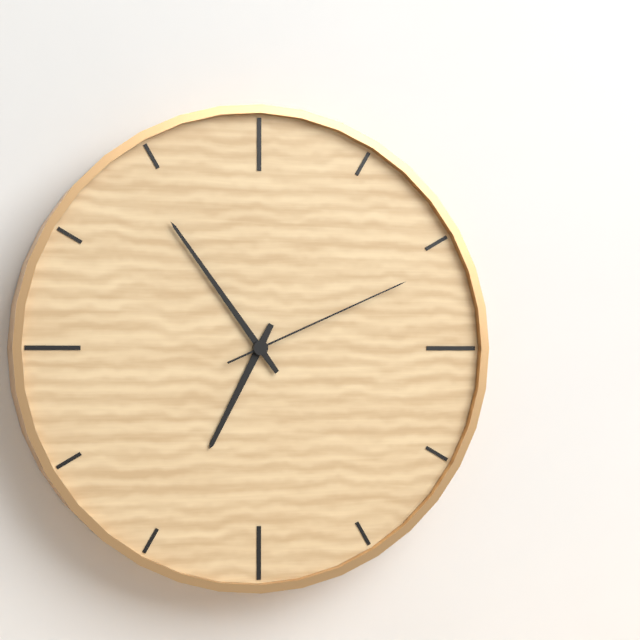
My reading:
{"hour": 6, "minute": 54, "second": 11}
